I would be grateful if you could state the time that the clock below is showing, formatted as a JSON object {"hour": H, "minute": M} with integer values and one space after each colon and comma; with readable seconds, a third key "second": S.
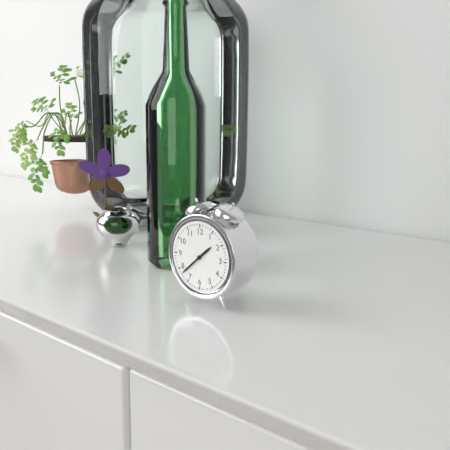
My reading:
{"hour": 1, "minute": 38}
